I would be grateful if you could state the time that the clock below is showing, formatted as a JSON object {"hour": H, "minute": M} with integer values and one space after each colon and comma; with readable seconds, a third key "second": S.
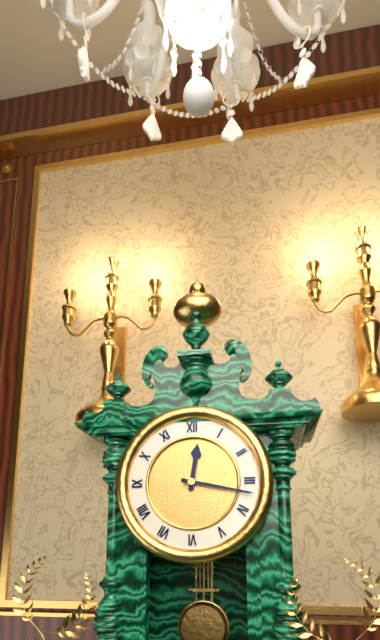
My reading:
{"hour": 12, "minute": 17}
